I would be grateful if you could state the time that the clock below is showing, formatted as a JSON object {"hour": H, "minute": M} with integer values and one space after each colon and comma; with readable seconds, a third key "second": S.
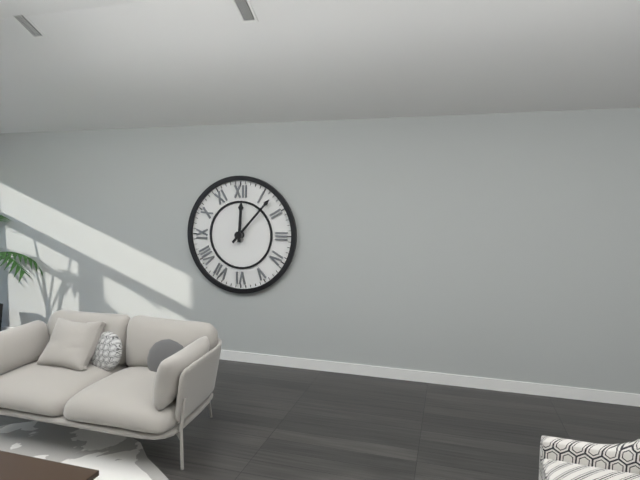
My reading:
{"hour": 12, "minute": 7}
